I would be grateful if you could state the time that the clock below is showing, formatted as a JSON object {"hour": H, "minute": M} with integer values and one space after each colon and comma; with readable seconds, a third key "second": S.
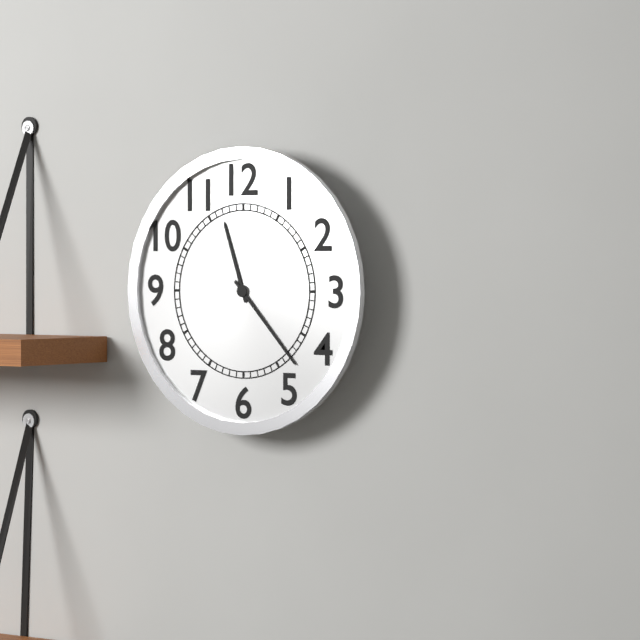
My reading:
{"hour": 11, "minute": 23}
